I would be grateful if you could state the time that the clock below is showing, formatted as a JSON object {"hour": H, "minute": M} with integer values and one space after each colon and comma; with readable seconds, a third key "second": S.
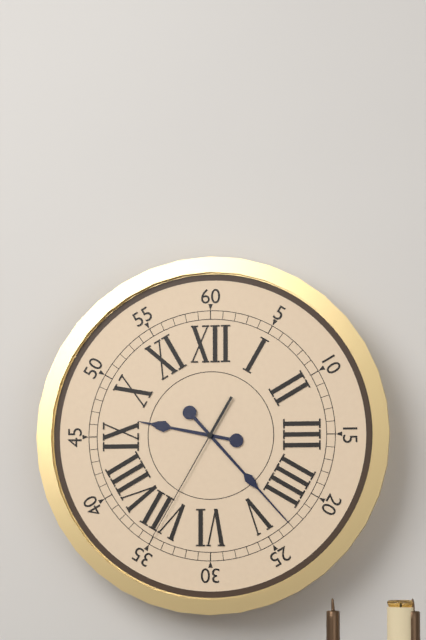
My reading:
{"hour": 9, "minute": 23, "second": 35}
